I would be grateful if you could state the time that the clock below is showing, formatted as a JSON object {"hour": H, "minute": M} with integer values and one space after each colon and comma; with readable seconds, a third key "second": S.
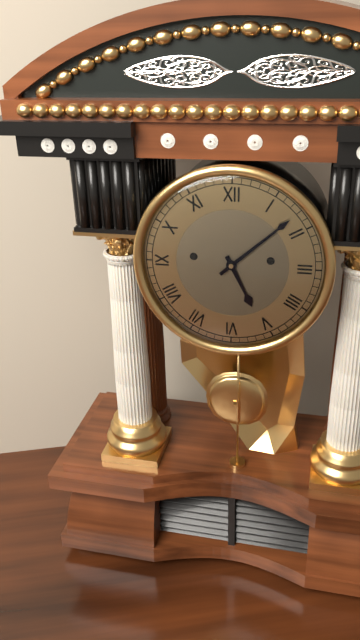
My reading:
{"hour": 5, "minute": 8}
